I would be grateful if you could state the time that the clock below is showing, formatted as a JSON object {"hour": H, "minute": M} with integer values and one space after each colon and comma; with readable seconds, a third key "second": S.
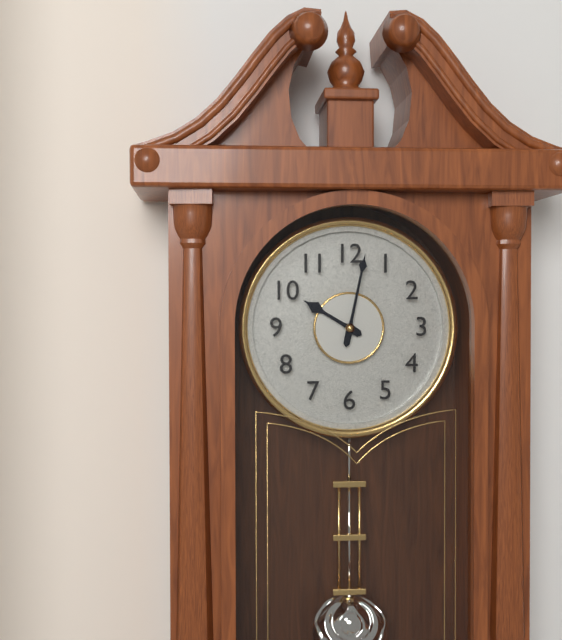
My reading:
{"hour": 10, "minute": 2}
